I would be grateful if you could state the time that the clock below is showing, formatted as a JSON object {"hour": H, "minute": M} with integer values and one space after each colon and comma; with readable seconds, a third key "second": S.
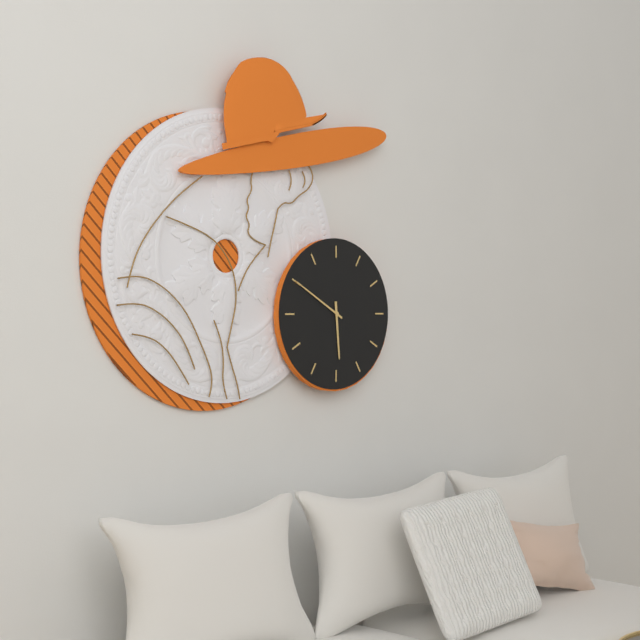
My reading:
{"hour": 5, "minute": 50}
